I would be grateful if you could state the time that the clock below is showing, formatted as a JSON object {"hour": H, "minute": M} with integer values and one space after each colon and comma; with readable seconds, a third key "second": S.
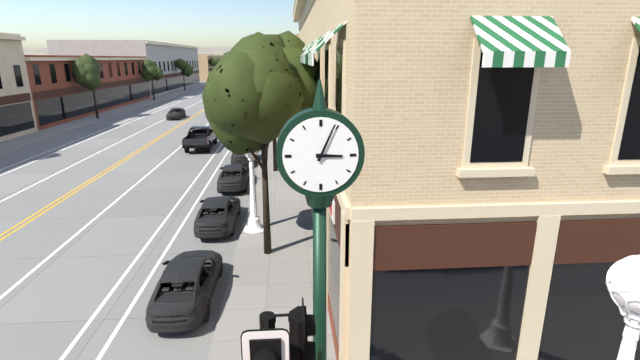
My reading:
{"hour": 3, "minute": 4}
